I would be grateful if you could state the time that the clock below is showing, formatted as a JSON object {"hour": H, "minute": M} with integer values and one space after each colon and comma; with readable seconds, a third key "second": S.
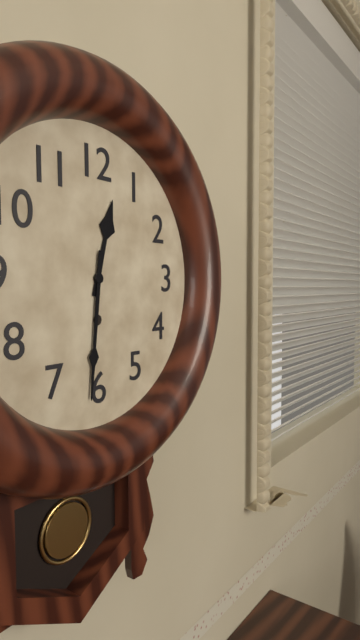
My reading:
{"hour": 12, "minute": 31}
